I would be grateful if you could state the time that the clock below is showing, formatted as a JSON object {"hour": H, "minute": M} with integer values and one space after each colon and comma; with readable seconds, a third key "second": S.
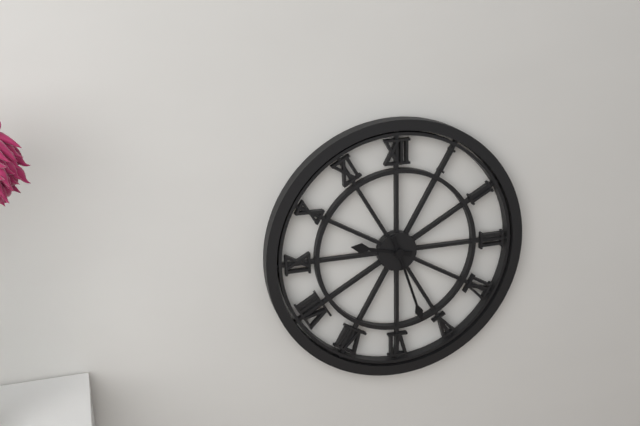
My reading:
{"hour": 9, "minute": 27}
